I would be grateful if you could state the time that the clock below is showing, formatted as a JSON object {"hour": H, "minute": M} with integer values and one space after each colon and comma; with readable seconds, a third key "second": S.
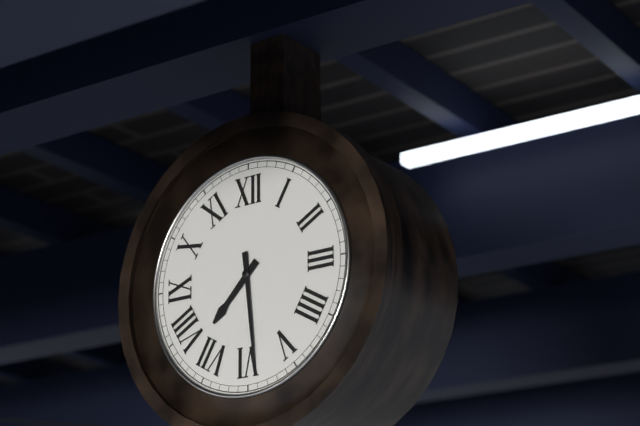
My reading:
{"hour": 7, "minute": 29}
